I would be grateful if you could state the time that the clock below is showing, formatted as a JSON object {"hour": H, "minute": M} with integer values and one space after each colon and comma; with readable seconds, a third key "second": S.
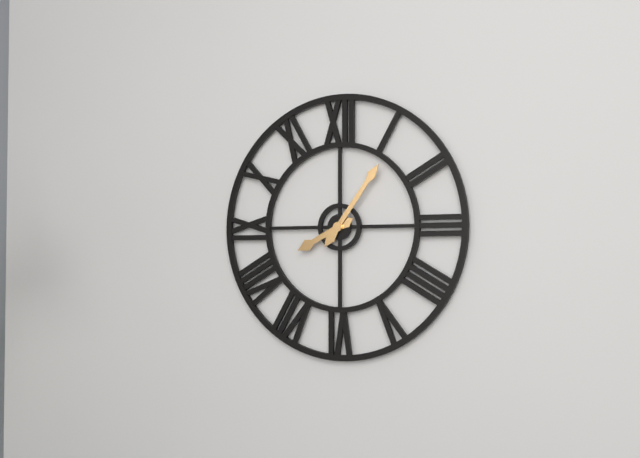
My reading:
{"hour": 8, "minute": 6}
